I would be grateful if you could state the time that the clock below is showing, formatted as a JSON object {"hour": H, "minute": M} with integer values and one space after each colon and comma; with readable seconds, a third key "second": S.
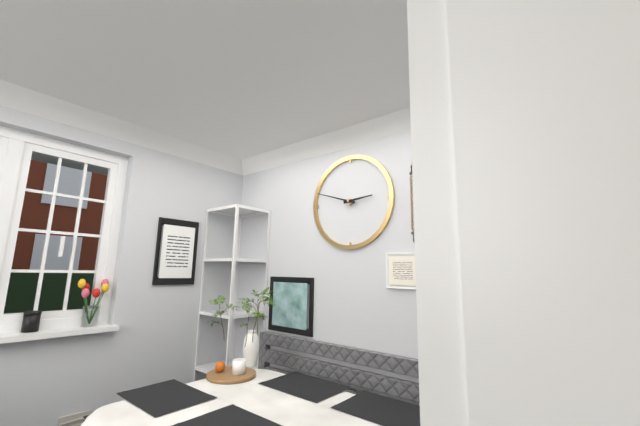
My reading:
{"hour": 2, "minute": 48}
